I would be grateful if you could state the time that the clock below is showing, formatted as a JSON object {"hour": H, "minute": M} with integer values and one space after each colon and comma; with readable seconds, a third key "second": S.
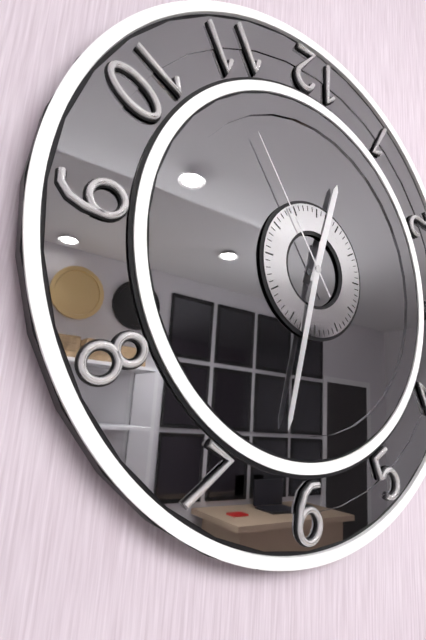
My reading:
{"hour": 12, "minute": 32, "second": 54}
